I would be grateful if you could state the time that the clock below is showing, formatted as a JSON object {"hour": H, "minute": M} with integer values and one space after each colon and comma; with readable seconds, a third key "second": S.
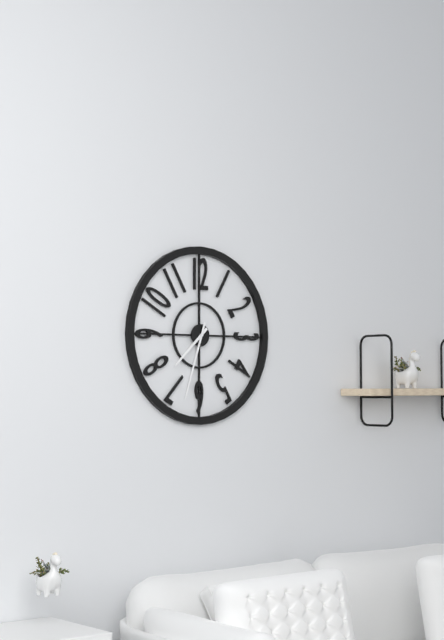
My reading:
{"hour": 7, "minute": 33}
